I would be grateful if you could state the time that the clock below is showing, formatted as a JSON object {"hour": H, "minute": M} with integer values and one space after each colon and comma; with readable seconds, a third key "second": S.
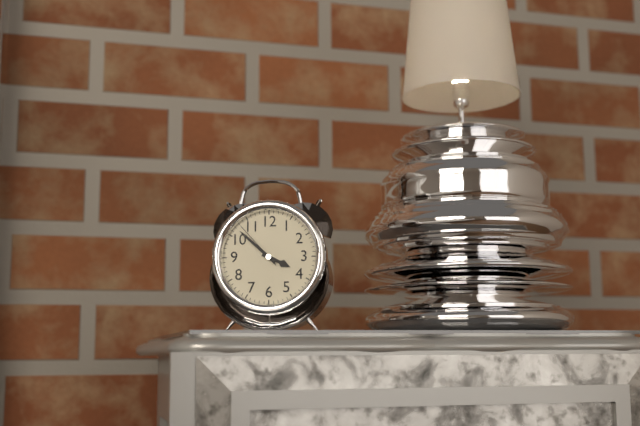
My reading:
{"hour": 3, "minute": 52, "second": 53}
